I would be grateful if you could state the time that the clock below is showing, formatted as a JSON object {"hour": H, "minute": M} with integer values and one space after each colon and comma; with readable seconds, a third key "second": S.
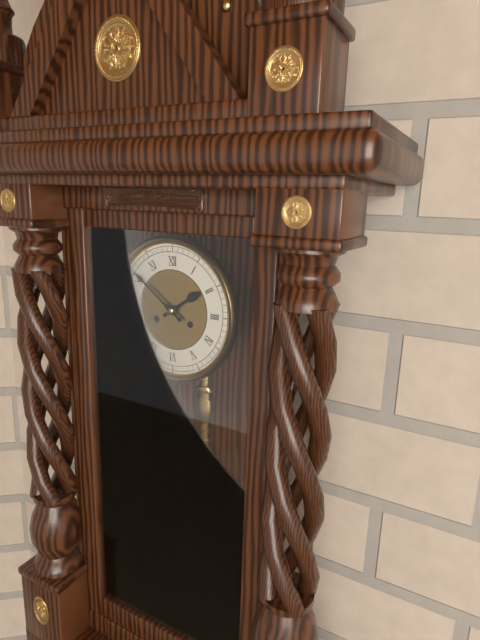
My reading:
{"hour": 1, "minute": 51}
